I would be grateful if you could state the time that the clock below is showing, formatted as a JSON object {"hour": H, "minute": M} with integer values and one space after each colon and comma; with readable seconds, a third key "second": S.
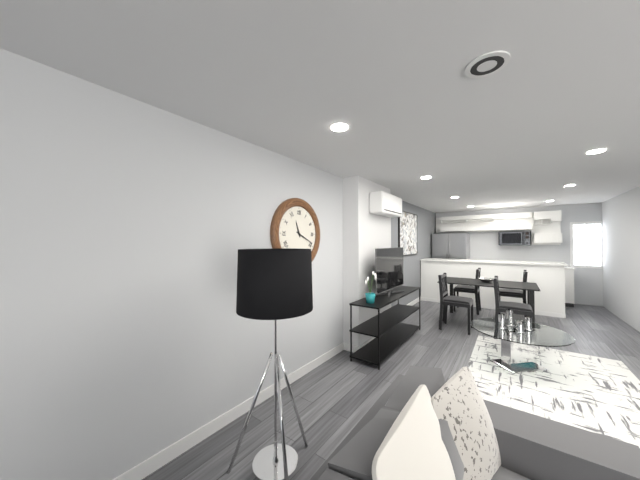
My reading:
{"hour": 11, "minute": 19}
